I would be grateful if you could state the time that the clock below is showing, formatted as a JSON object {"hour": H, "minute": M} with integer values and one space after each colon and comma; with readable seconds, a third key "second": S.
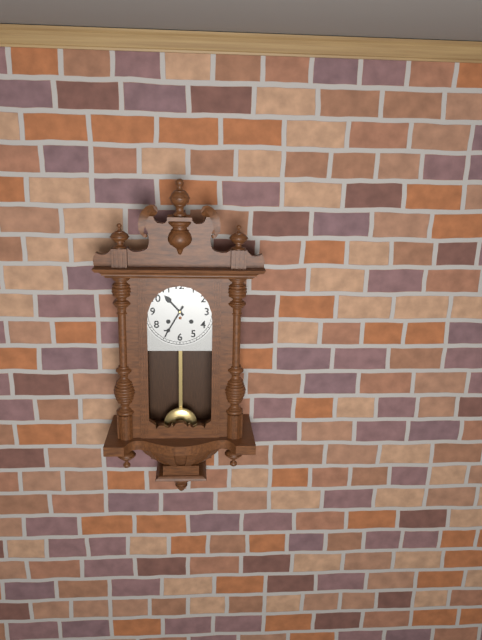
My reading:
{"hour": 10, "minute": 35}
